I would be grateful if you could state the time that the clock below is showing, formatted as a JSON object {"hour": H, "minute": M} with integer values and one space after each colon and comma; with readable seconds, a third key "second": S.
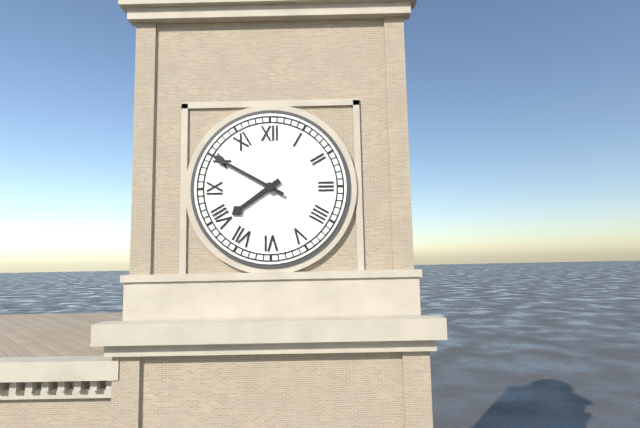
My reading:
{"hour": 7, "minute": 50}
